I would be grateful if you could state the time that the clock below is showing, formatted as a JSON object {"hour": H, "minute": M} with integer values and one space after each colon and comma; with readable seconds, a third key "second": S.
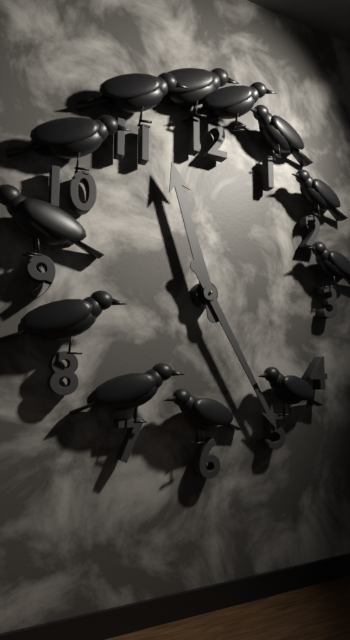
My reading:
{"hour": 11, "minute": 25}
